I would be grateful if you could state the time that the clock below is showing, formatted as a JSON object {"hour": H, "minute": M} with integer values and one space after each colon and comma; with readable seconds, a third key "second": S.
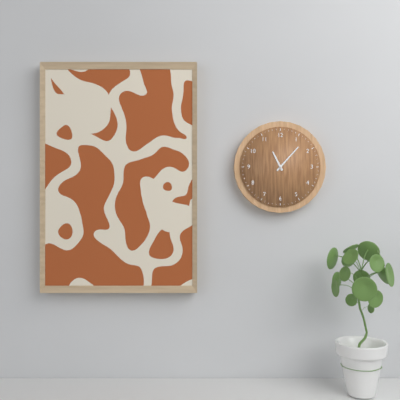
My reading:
{"hour": 11, "minute": 7}
